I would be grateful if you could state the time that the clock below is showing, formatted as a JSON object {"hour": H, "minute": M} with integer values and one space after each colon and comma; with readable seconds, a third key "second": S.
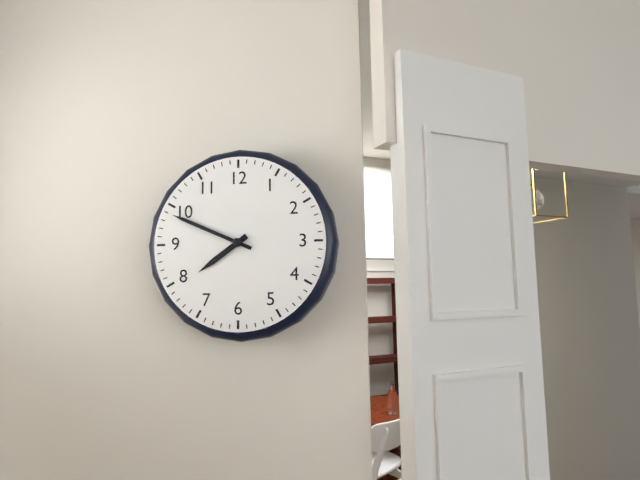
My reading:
{"hour": 7, "minute": 49}
